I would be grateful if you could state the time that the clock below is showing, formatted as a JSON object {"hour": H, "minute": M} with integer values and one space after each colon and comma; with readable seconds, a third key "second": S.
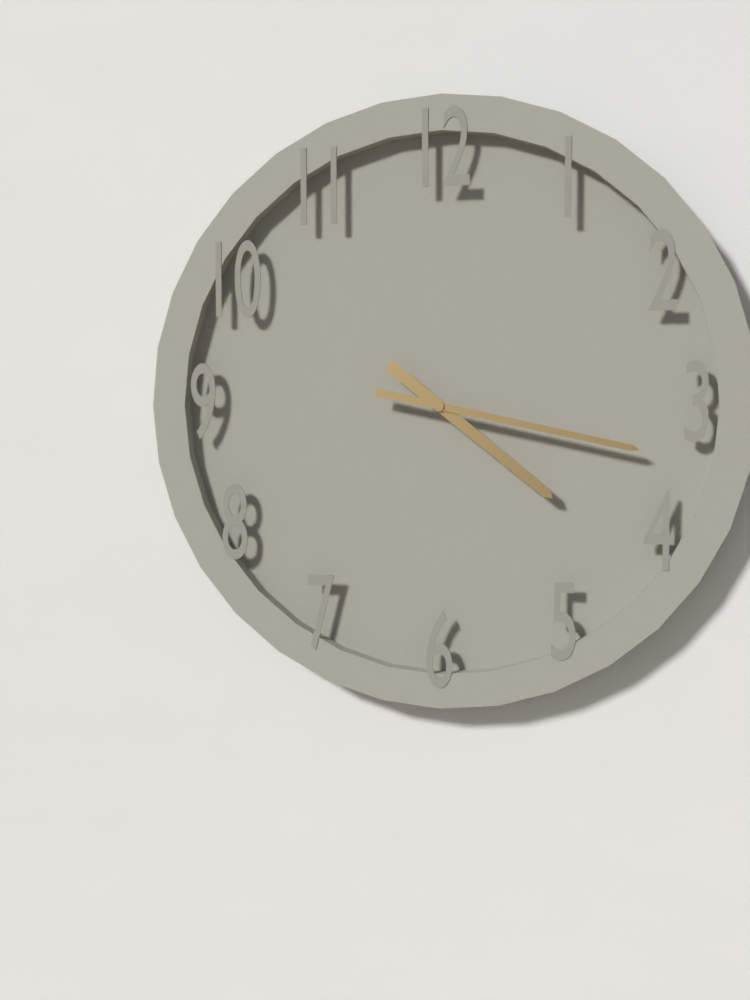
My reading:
{"hour": 4, "minute": 17}
